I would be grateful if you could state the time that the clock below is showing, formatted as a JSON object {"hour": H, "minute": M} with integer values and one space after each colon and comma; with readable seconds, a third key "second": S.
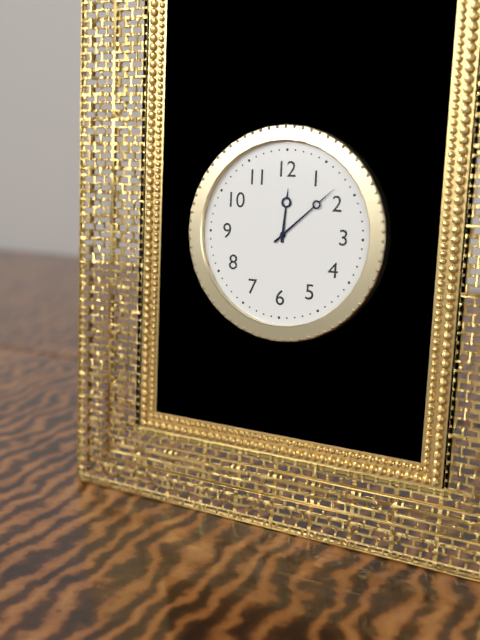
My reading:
{"hour": 12, "minute": 8}
